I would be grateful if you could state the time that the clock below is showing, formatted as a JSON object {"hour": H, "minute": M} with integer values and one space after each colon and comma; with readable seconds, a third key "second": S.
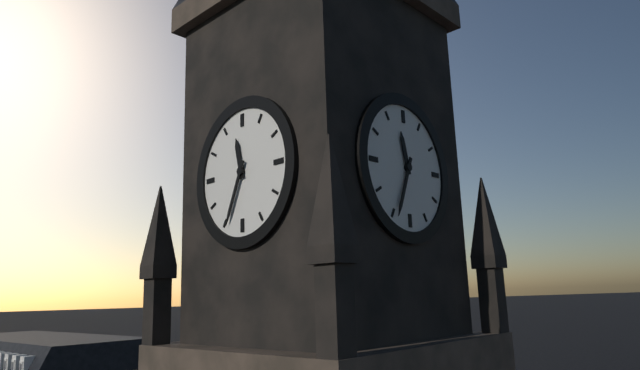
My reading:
{"hour": 11, "minute": 34}
